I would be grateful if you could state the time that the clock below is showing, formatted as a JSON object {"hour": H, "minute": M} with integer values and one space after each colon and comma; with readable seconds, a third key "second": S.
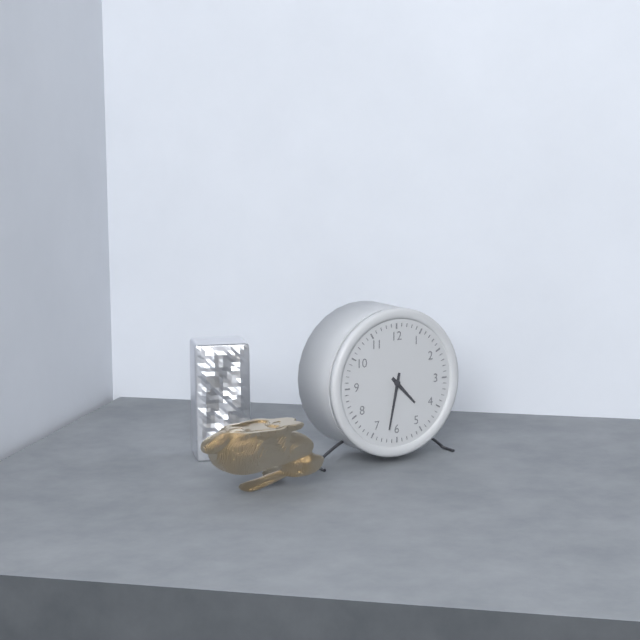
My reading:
{"hour": 4, "minute": 32}
